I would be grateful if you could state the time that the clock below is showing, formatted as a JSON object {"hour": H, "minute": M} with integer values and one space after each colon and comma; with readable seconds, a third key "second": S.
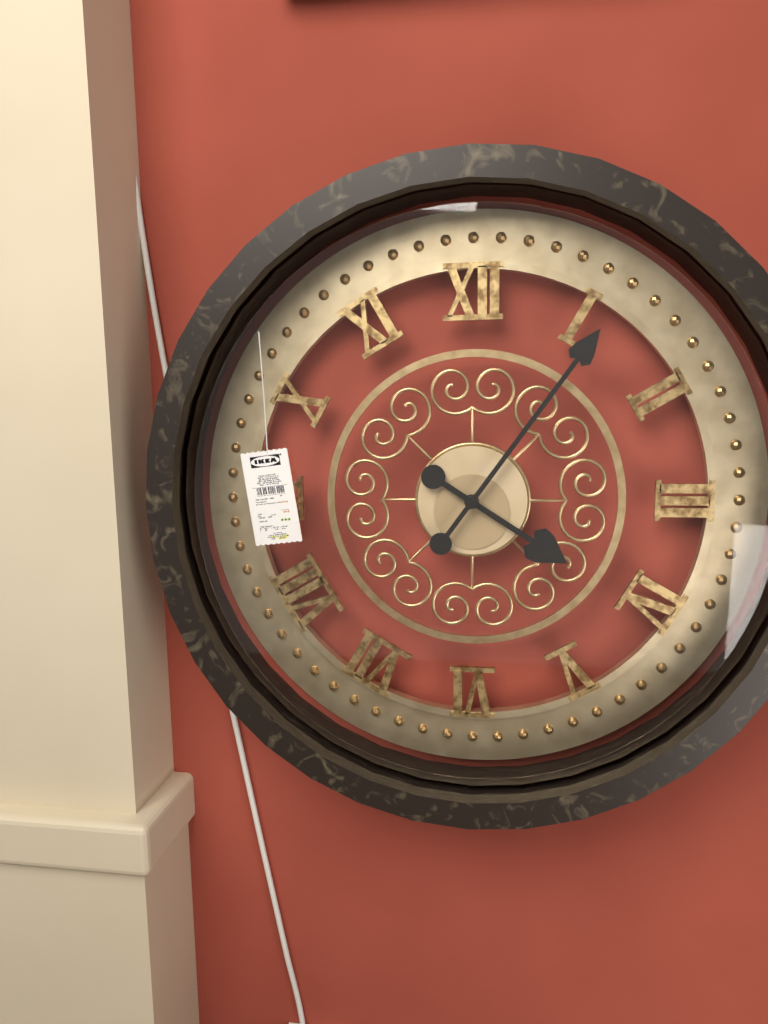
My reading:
{"hour": 4, "minute": 6}
